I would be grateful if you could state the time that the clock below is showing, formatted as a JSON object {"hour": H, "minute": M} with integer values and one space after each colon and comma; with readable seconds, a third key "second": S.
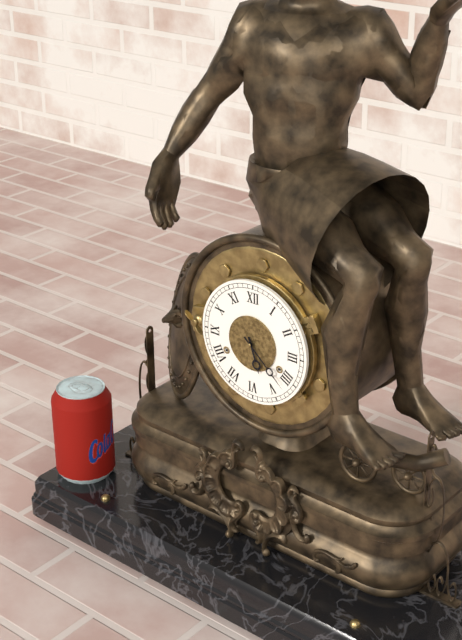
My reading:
{"hour": 5, "minute": 22}
